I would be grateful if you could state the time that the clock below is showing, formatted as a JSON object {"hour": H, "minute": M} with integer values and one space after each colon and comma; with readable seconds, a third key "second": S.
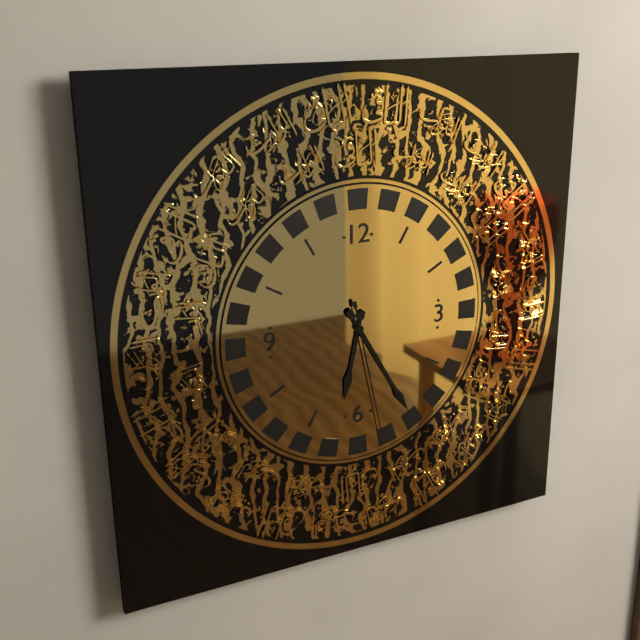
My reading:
{"hour": 6, "minute": 25, "second": 28}
